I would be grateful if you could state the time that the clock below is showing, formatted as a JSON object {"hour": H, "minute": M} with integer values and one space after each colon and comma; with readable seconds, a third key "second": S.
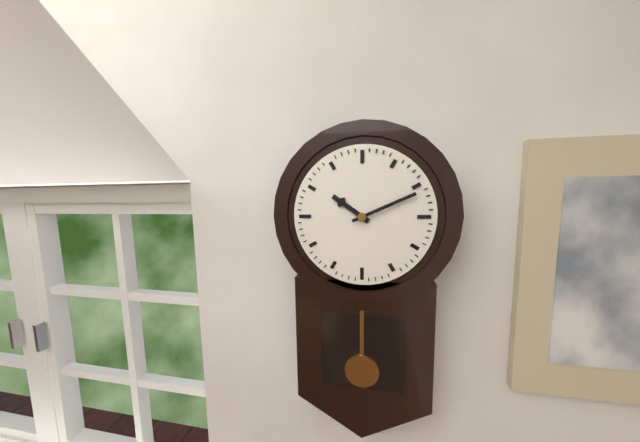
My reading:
{"hour": 10, "minute": 11}
